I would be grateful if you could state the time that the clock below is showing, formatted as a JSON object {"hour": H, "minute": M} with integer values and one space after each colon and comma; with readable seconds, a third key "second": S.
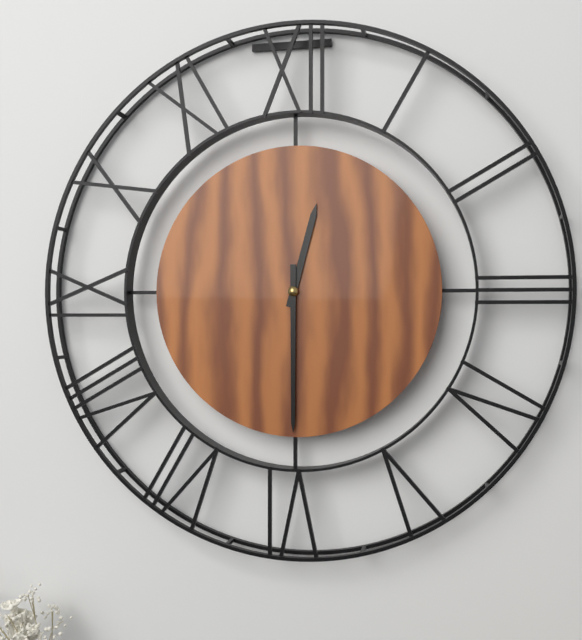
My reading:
{"hour": 12, "minute": 30}
